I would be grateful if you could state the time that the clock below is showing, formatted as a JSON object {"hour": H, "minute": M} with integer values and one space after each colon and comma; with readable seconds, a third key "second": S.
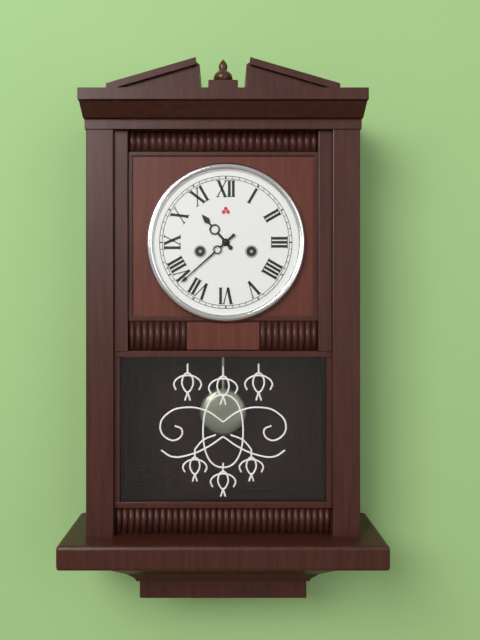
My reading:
{"hour": 10, "minute": 38}
